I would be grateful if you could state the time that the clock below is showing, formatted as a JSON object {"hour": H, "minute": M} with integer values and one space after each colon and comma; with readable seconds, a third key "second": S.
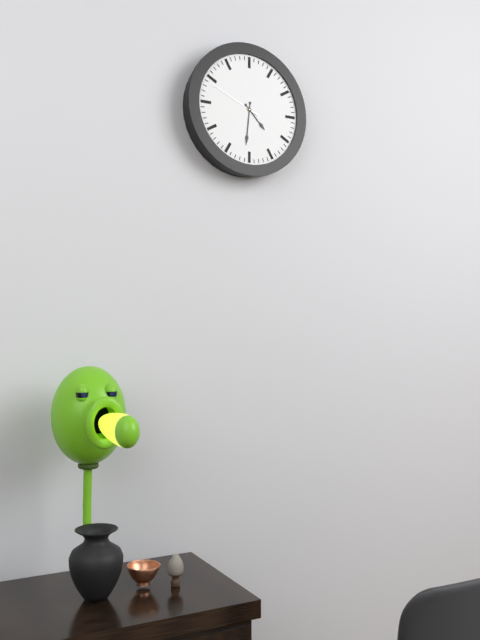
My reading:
{"hour": 4, "minute": 31, "second": 49}
